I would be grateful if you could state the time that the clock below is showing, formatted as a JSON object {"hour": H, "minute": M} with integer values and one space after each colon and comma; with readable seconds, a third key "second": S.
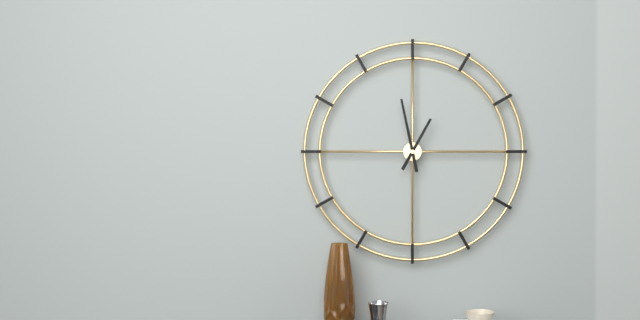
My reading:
{"hour": 12, "minute": 58}
